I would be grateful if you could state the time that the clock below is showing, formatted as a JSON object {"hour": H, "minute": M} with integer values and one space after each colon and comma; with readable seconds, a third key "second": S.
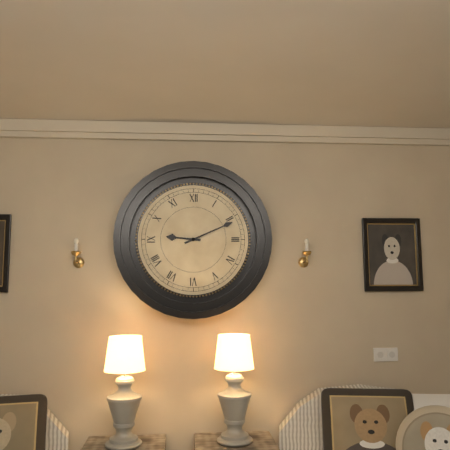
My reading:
{"hour": 9, "minute": 11}
